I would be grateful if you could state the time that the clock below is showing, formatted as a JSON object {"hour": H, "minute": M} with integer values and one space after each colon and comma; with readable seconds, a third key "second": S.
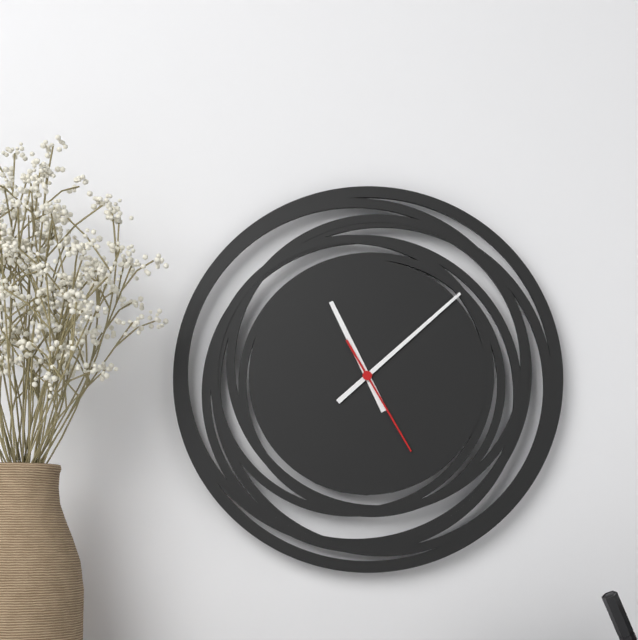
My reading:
{"hour": 11, "minute": 8, "second": 25}
